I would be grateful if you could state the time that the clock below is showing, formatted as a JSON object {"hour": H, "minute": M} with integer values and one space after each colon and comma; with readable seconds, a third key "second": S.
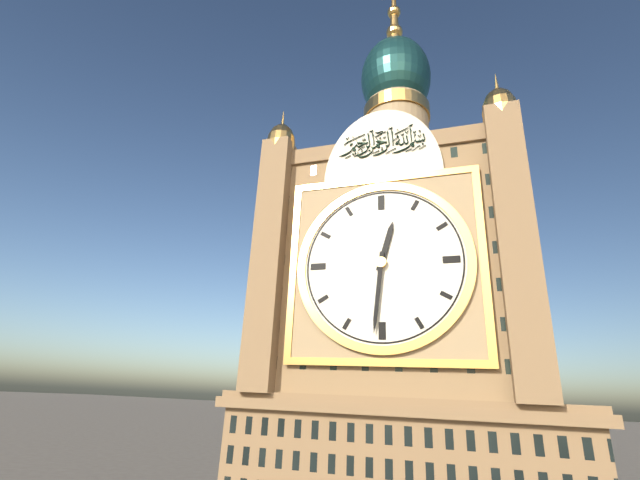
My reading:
{"hour": 12, "minute": 31}
